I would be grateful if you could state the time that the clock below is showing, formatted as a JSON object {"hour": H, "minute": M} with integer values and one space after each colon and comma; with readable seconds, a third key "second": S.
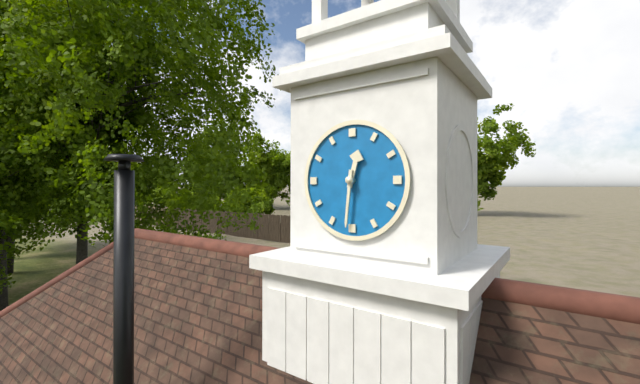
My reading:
{"hour": 12, "minute": 31}
